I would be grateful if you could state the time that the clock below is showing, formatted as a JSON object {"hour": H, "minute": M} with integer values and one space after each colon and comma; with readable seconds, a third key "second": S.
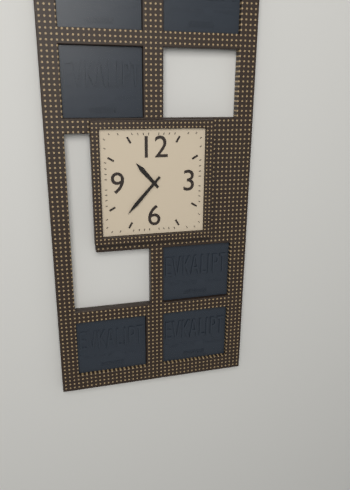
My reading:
{"hour": 10, "minute": 37}
